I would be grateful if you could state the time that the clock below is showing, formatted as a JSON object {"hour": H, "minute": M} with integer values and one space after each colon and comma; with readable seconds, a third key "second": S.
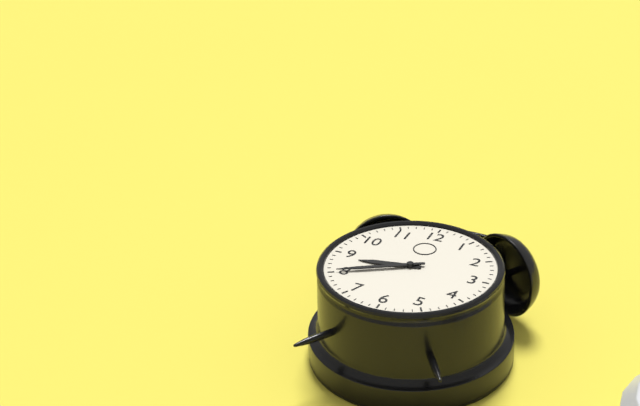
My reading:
{"hour": 8, "minute": 40}
